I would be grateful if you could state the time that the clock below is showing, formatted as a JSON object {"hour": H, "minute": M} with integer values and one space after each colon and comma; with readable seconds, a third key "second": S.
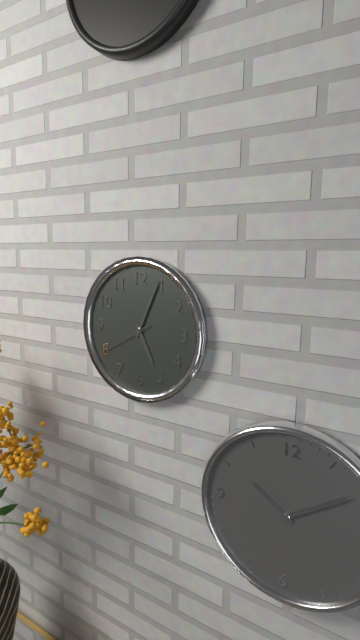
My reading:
{"hour": 5, "minute": 4, "second": 40}
